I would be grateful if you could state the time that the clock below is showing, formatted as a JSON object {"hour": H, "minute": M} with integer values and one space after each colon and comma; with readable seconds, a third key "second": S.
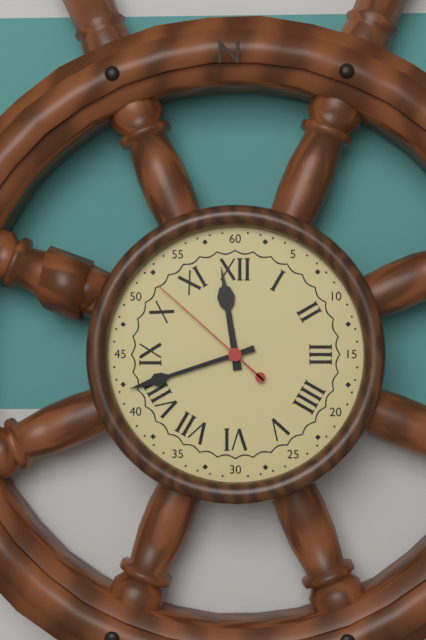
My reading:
{"hour": 11, "minute": 42, "second": 52}
